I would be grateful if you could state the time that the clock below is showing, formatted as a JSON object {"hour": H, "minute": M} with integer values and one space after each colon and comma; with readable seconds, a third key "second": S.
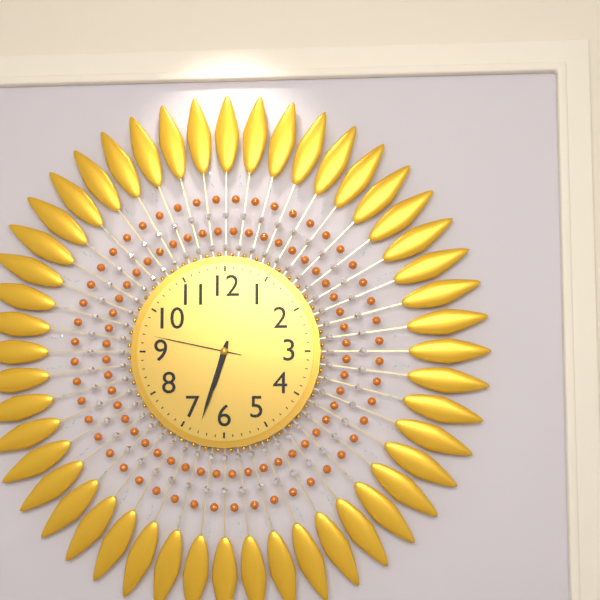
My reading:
{"hour": 6, "minute": 33, "second": 47}
